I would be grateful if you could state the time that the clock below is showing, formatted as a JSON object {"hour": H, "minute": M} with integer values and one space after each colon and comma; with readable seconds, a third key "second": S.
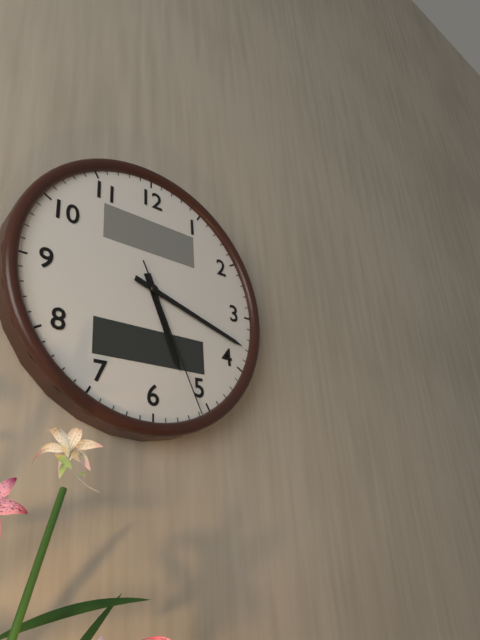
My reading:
{"hour": 5, "minute": 18, "second": 26}
